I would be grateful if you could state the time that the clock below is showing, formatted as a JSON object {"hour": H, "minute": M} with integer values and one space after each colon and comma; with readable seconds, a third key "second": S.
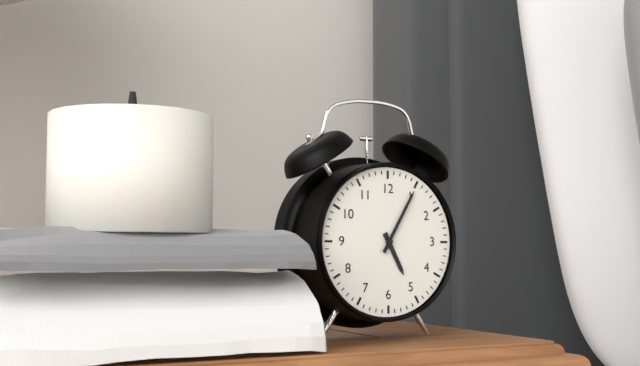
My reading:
{"hour": 5, "minute": 5}
